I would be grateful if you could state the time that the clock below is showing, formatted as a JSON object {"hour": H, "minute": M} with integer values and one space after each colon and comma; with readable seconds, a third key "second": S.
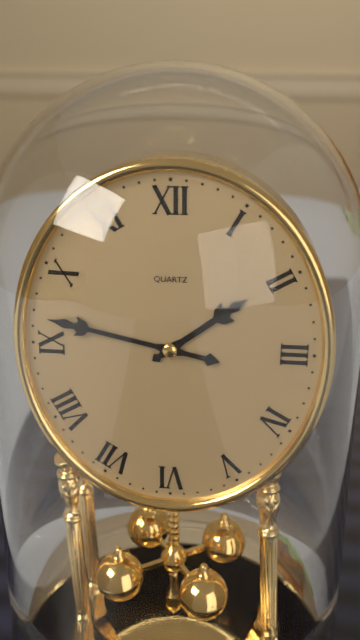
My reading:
{"hour": 1, "minute": 47}
